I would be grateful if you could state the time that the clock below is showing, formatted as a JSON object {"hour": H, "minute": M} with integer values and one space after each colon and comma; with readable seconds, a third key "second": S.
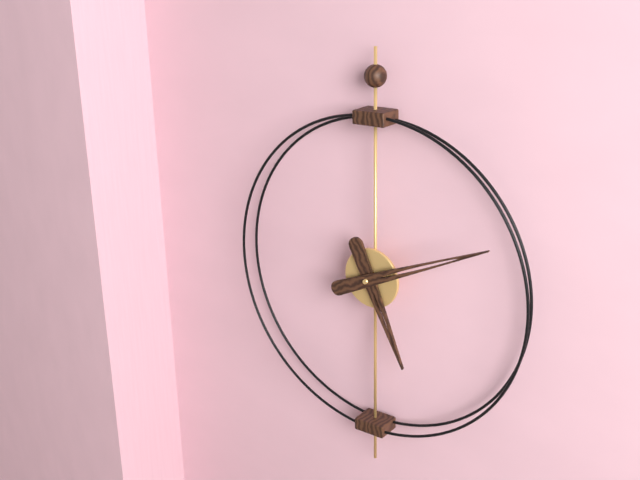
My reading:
{"hour": 5, "minute": 11}
